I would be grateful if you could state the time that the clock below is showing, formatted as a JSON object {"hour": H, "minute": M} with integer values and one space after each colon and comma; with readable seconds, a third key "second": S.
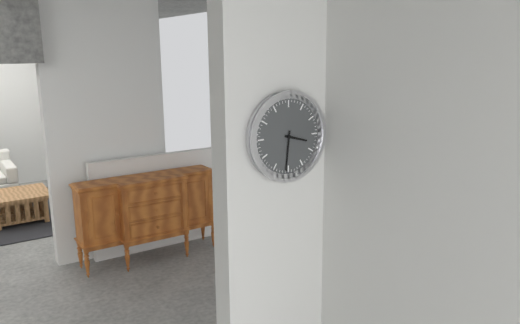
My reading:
{"hour": 3, "minute": 31}
